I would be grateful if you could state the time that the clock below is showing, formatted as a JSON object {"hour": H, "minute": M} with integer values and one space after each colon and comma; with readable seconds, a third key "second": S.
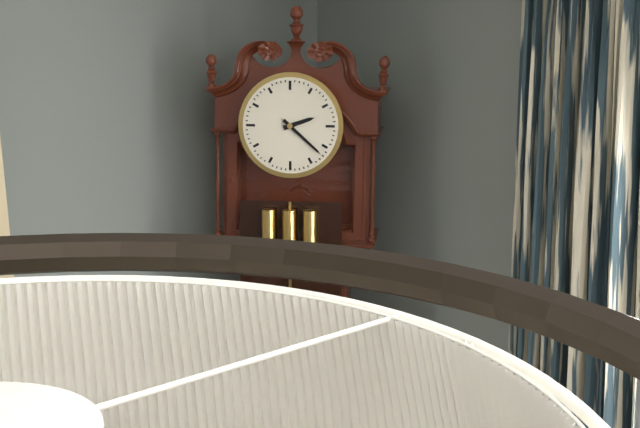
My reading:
{"hour": 2, "minute": 22}
